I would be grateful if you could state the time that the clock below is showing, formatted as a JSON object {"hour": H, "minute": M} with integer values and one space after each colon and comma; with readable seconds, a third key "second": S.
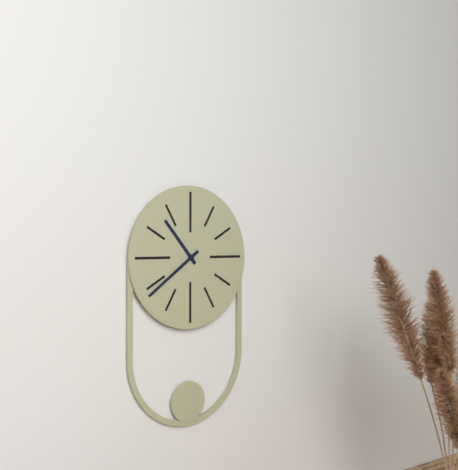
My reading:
{"hour": 10, "minute": 39}
